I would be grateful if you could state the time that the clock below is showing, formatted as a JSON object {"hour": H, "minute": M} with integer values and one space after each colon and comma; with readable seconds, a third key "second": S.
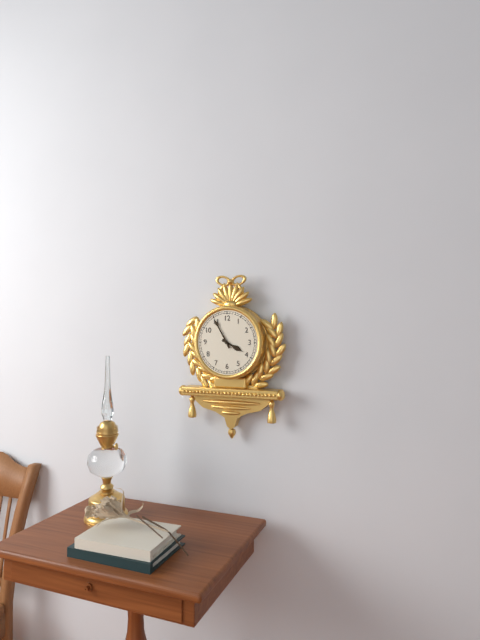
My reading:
{"hour": 3, "minute": 55}
